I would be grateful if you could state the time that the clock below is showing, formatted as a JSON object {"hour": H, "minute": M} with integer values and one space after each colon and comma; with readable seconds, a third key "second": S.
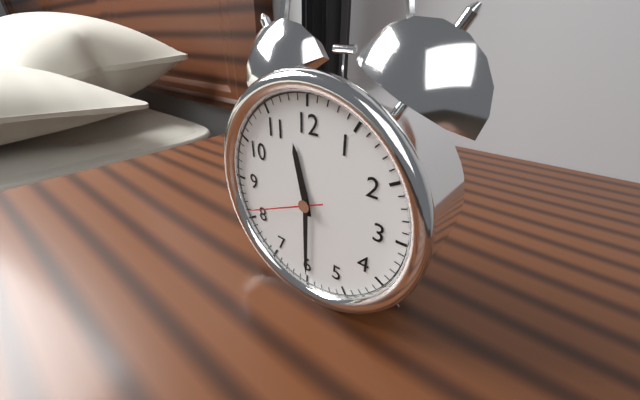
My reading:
{"hour": 11, "minute": 30, "second": 41}
